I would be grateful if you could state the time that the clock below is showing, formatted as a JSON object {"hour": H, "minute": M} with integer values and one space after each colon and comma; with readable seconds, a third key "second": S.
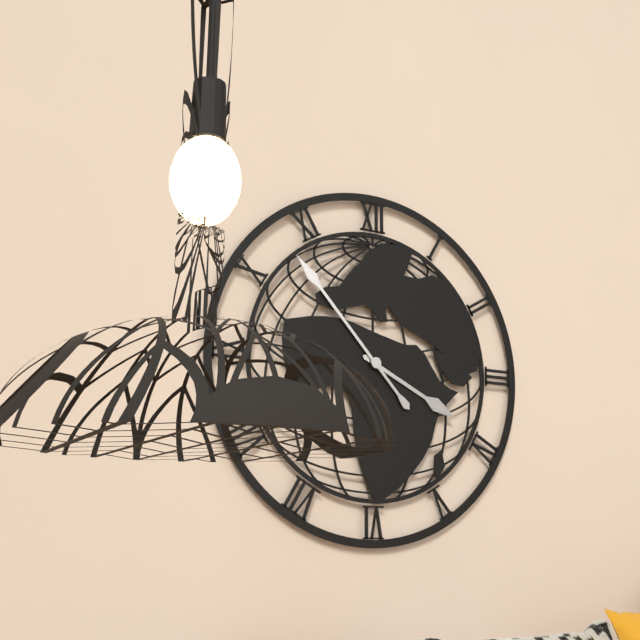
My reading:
{"hour": 3, "minute": 53}
